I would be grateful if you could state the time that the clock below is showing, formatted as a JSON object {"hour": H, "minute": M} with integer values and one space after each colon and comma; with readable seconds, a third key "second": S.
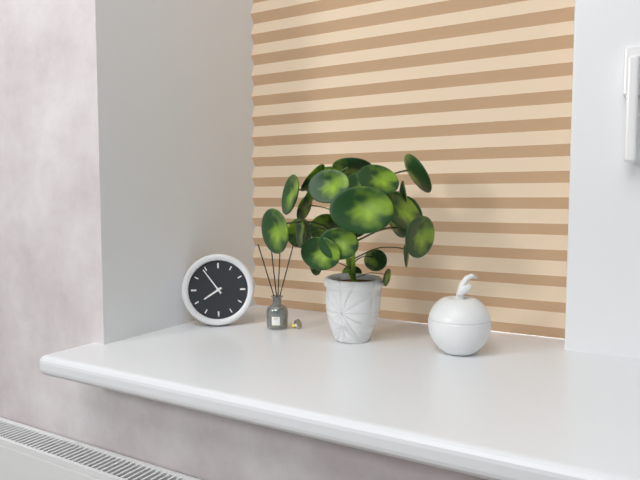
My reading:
{"hour": 7, "minute": 54}
